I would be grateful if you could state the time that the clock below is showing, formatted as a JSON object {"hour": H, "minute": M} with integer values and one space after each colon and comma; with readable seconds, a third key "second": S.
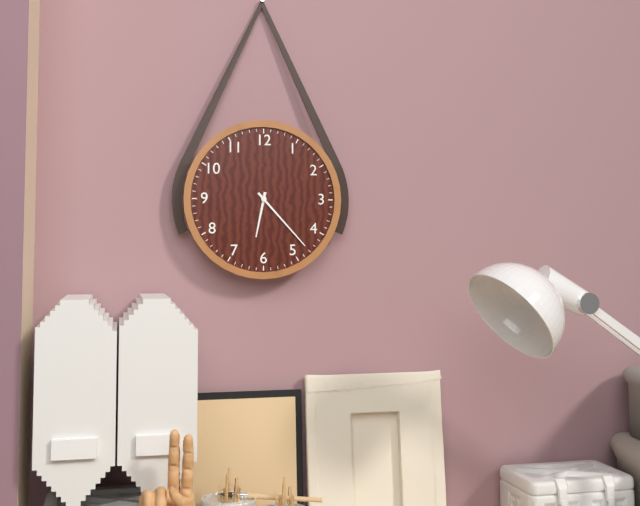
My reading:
{"hour": 6, "minute": 23}
